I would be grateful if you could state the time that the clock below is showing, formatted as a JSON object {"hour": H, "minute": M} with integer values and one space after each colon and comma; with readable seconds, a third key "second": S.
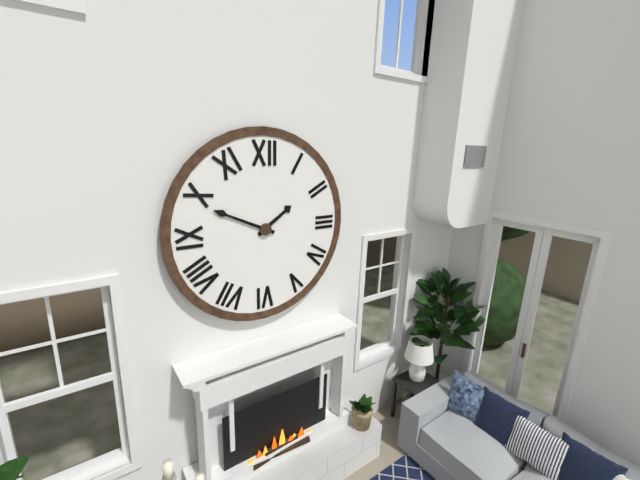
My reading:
{"hour": 1, "minute": 49}
